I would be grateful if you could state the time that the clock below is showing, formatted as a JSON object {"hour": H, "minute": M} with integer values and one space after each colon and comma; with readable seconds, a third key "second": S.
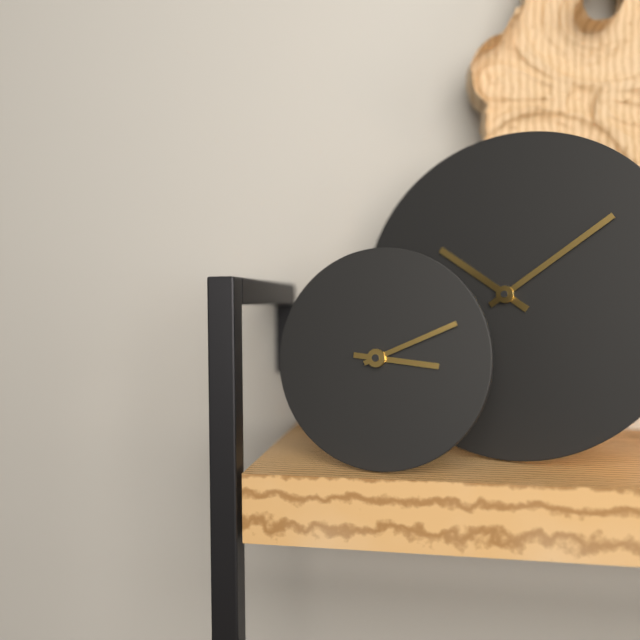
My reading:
{"hour": 3, "minute": 11}
